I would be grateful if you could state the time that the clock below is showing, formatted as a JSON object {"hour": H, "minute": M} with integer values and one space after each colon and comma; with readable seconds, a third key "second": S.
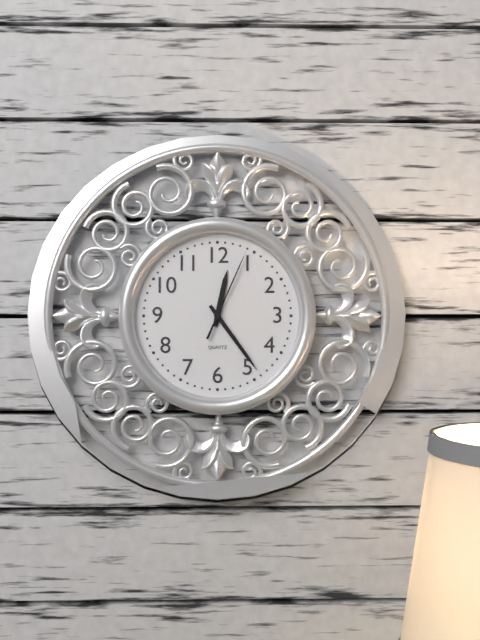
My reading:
{"hour": 12, "minute": 24, "second": 4}
